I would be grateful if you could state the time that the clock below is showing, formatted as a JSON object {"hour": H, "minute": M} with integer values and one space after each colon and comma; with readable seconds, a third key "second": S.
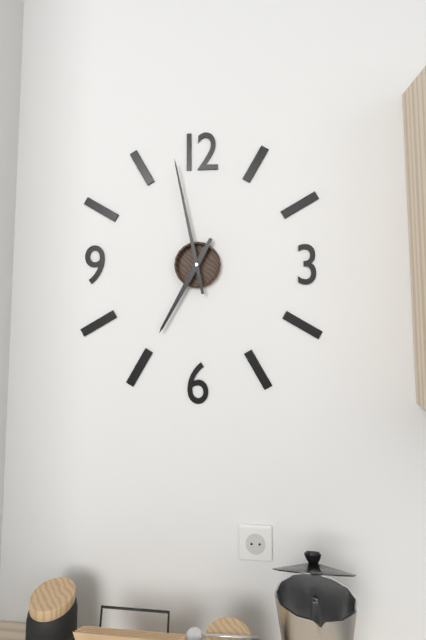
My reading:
{"hour": 6, "minute": 58}
